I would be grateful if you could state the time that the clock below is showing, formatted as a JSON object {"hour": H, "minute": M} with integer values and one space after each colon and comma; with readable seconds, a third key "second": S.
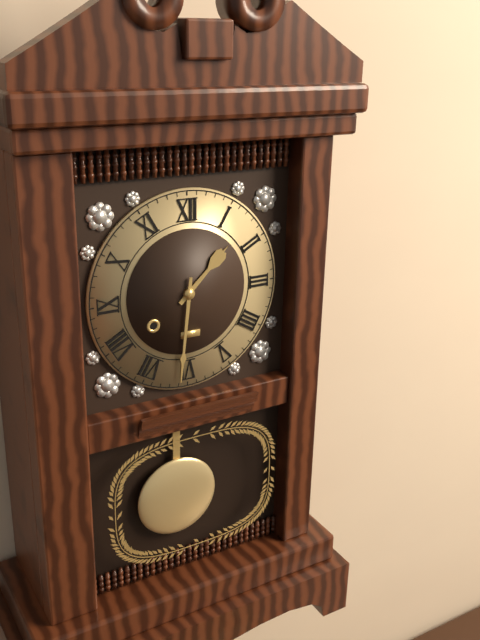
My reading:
{"hour": 1, "minute": 31}
